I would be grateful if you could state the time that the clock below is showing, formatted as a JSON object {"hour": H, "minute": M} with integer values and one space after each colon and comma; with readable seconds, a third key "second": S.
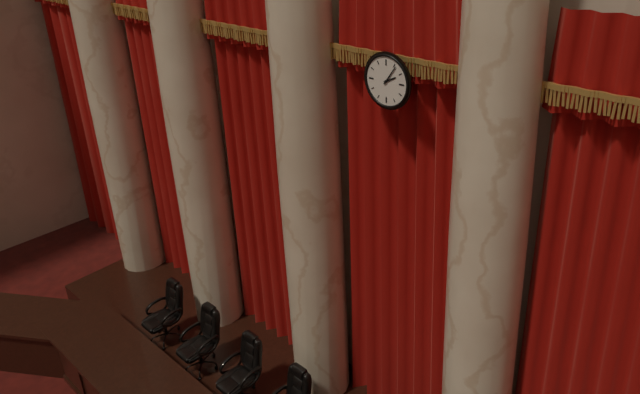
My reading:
{"hour": 2, "minute": 6}
